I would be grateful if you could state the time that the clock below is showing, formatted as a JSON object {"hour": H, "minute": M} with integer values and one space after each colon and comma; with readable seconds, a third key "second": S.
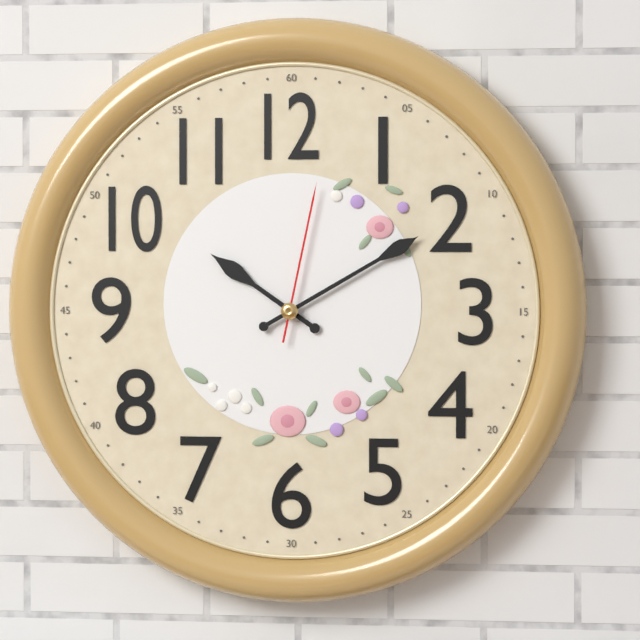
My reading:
{"hour": 10, "minute": 10, "second": 2}
